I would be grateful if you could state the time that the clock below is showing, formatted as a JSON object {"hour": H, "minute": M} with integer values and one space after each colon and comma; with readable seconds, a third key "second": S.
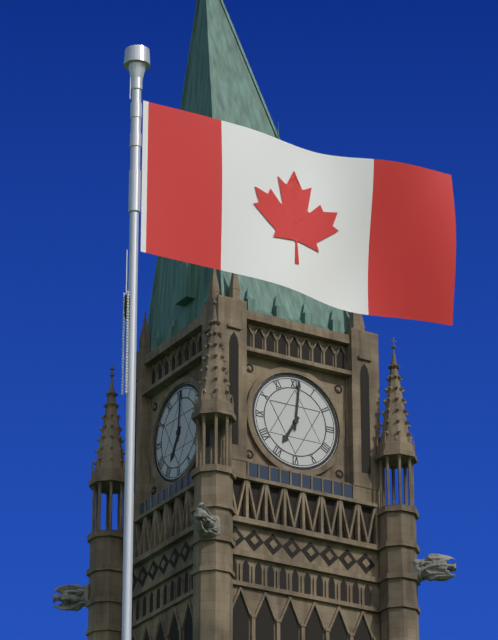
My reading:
{"hour": 7, "minute": 1}
